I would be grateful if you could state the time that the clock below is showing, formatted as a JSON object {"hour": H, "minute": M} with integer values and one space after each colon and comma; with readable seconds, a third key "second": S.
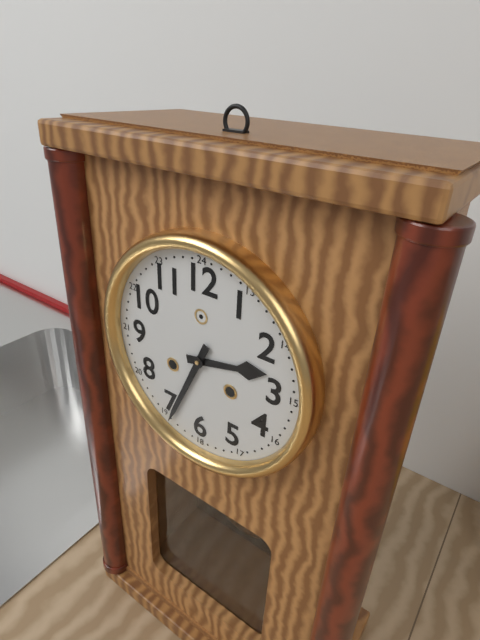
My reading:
{"hour": 2, "minute": 34}
